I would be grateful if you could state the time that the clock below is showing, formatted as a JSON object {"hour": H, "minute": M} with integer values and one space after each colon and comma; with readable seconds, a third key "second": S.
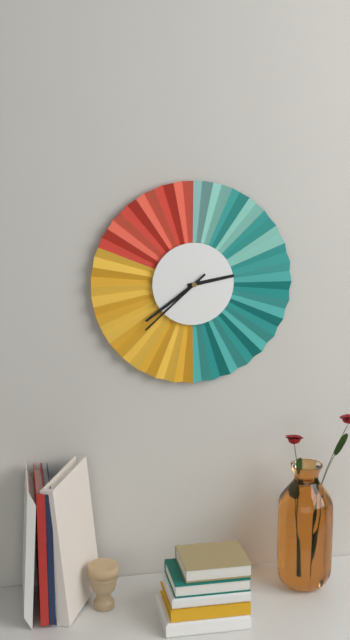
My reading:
{"hour": 2, "minute": 39, "second": 38}
